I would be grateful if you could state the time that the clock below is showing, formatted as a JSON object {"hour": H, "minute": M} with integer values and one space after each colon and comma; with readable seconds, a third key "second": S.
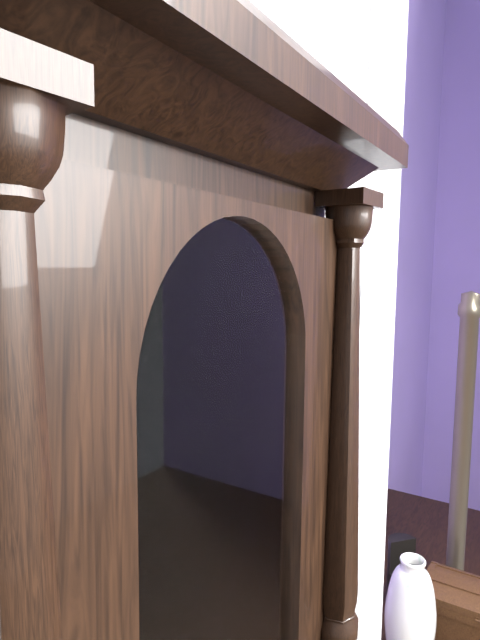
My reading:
{"hour": 6, "minute": 55}
